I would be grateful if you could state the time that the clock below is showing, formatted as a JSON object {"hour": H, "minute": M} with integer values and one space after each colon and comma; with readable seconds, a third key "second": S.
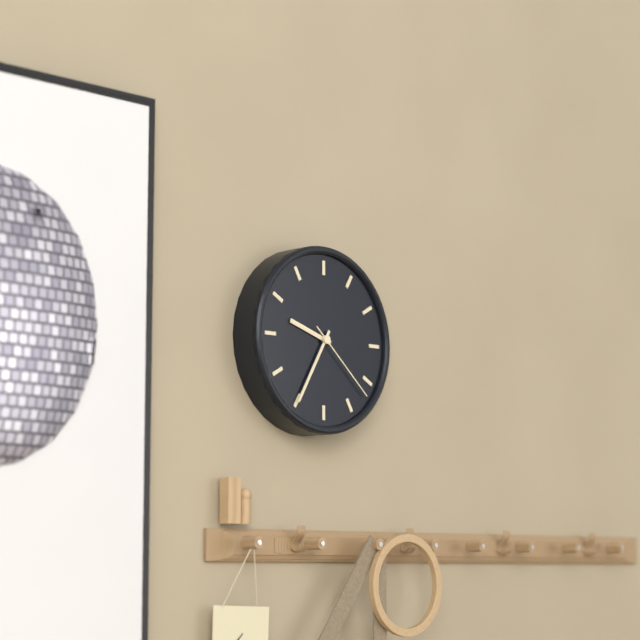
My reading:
{"hour": 9, "minute": 35, "second": 22}
